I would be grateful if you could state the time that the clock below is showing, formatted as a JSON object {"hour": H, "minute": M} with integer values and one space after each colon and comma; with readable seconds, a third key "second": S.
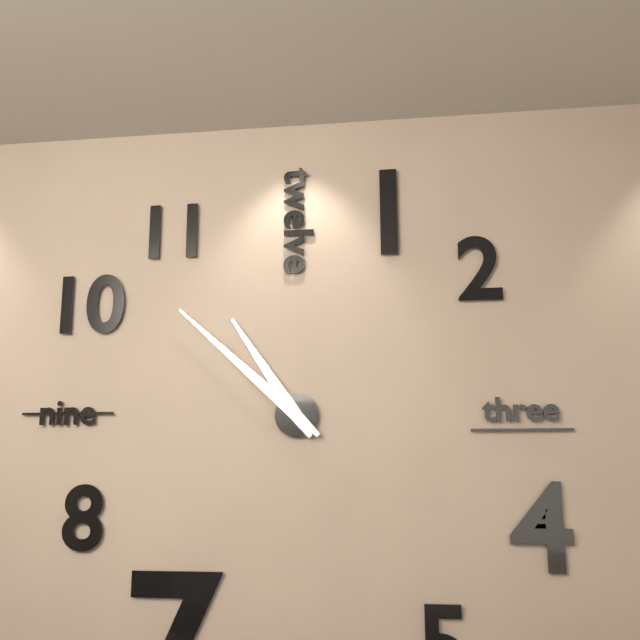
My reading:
{"hour": 10, "minute": 52}
